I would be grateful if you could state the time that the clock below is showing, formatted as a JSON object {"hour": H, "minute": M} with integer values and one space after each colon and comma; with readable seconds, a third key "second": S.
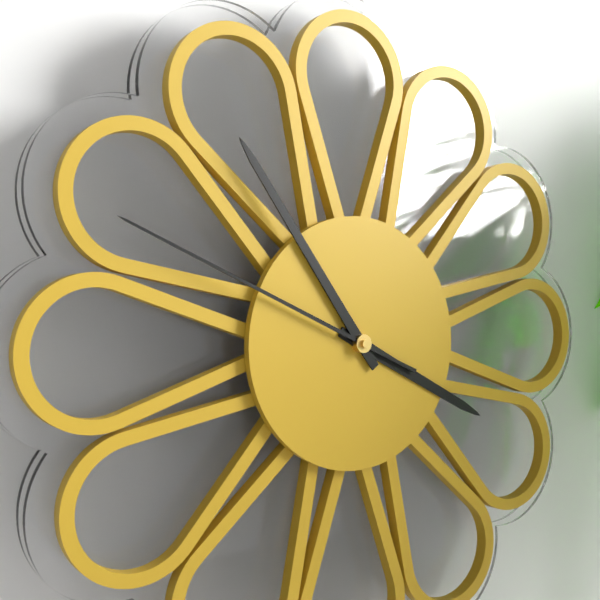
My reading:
{"hour": 3, "minute": 54, "second": 49}
